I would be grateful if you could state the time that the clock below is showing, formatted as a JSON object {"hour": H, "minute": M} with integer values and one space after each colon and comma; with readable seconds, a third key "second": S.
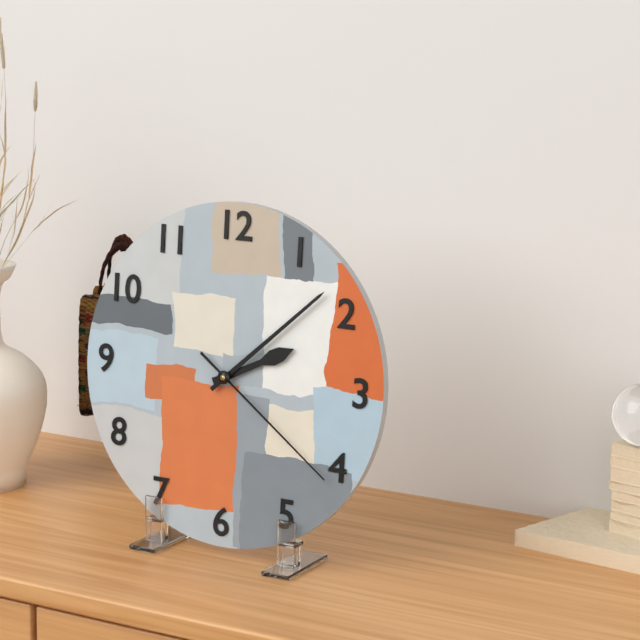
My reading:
{"hour": 2, "minute": 8, "second": 21}
